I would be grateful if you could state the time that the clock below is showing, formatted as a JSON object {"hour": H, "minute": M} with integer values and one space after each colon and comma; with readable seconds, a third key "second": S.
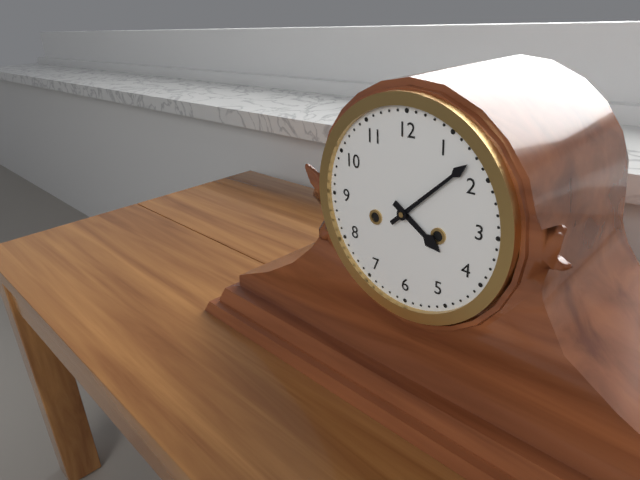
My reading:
{"hour": 4, "minute": 8}
